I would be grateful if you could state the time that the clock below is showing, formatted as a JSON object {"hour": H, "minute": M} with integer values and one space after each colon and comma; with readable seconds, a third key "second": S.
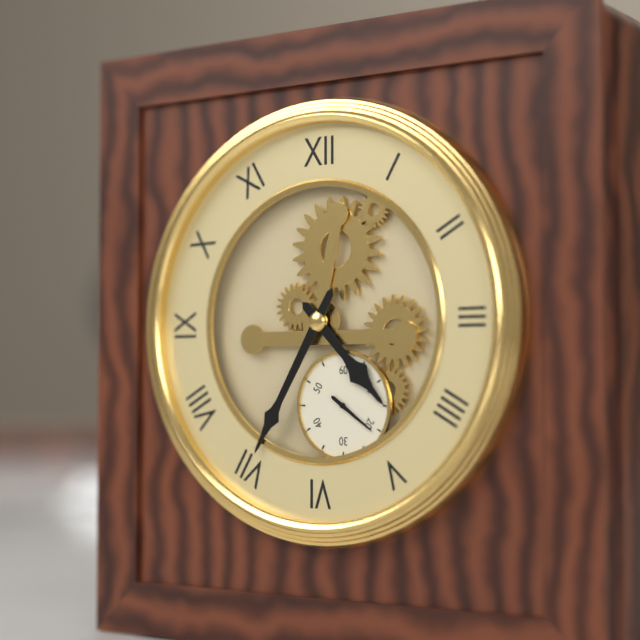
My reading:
{"hour": 4, "minute": 35}
